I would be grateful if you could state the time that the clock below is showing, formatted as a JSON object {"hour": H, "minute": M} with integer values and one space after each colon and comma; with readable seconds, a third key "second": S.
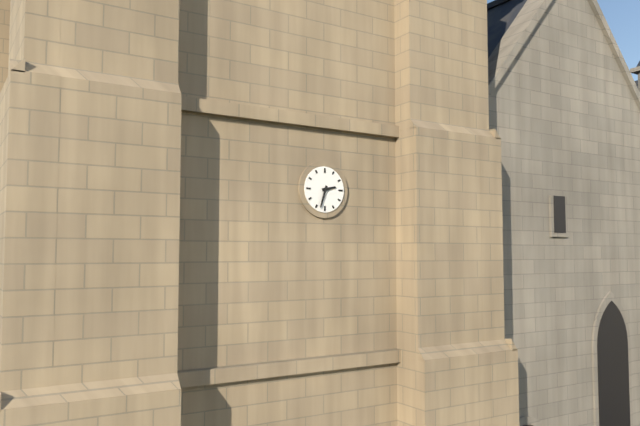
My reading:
{"hour": 2, "minute": 33}
